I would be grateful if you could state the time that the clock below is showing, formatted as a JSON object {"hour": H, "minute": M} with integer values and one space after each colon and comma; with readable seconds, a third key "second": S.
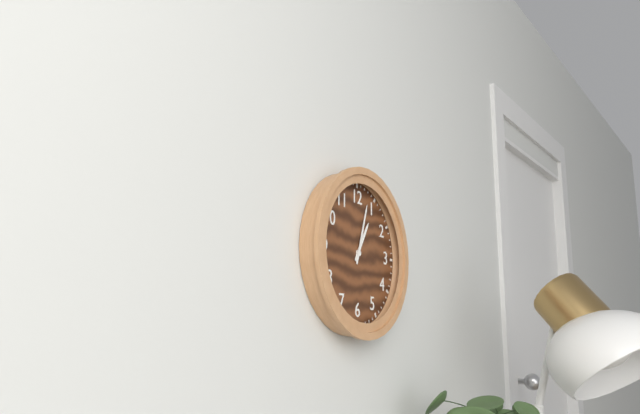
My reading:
{"hour": 1, "minute": 3}
